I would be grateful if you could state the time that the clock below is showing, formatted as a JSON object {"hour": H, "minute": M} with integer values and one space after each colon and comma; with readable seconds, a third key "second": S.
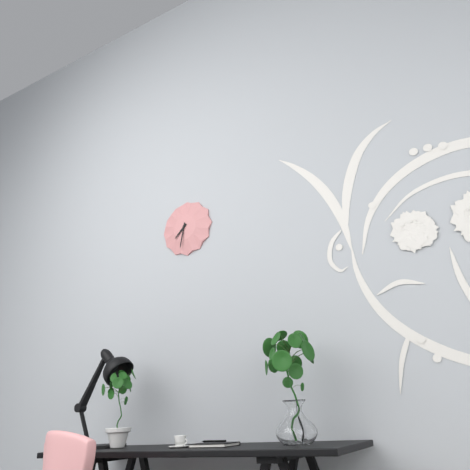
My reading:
{"hour": 7, "minute": 32}
